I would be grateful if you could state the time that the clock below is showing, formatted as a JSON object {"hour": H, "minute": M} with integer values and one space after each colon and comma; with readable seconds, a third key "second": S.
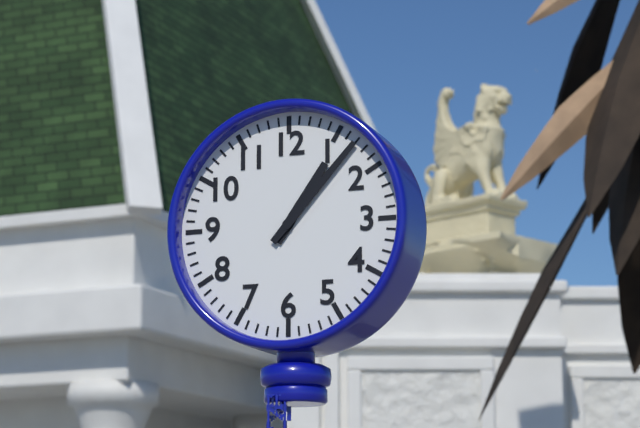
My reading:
{"hour": 1, "minute": 7}
